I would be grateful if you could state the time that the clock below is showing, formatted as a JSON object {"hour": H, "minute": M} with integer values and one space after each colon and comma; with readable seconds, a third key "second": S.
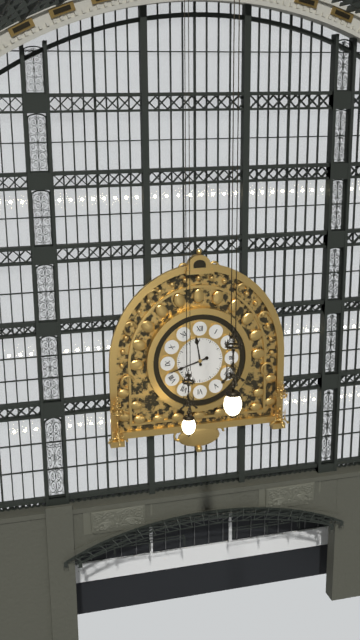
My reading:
{"hour": 11, "minute": 42}
